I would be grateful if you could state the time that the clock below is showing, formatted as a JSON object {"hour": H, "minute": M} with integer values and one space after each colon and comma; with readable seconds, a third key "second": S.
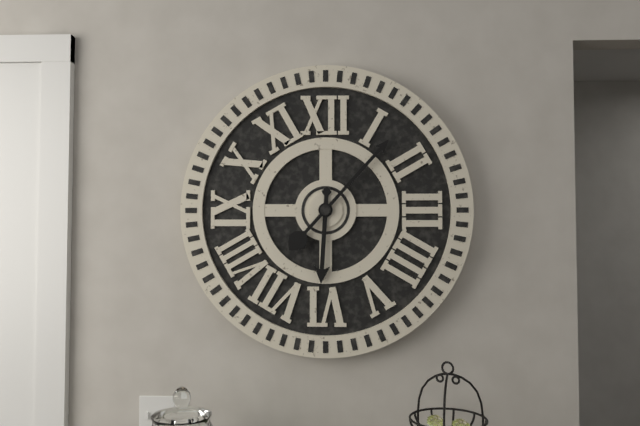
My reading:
{"hour": 6, "minute": 7}
